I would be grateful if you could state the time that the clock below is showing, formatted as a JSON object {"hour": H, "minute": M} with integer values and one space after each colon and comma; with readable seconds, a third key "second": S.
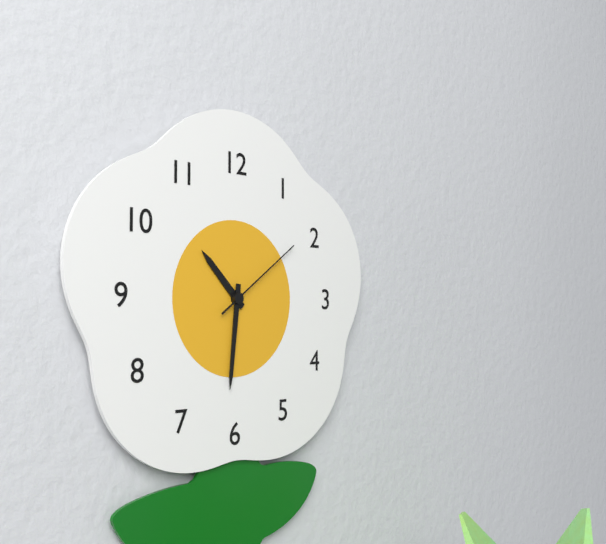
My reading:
{"hour": 10, "minute": 31, "second": 9}
